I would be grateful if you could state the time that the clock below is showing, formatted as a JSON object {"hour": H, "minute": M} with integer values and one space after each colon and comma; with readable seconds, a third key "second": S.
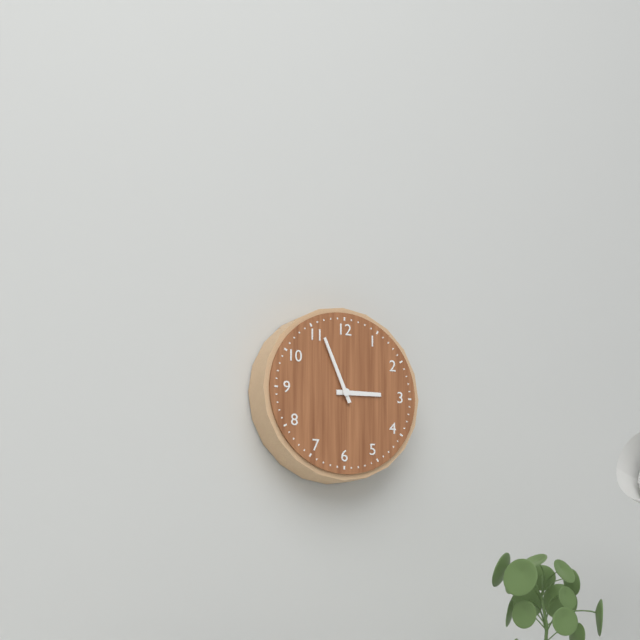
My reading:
{"hour": 2, "minute": 56}
